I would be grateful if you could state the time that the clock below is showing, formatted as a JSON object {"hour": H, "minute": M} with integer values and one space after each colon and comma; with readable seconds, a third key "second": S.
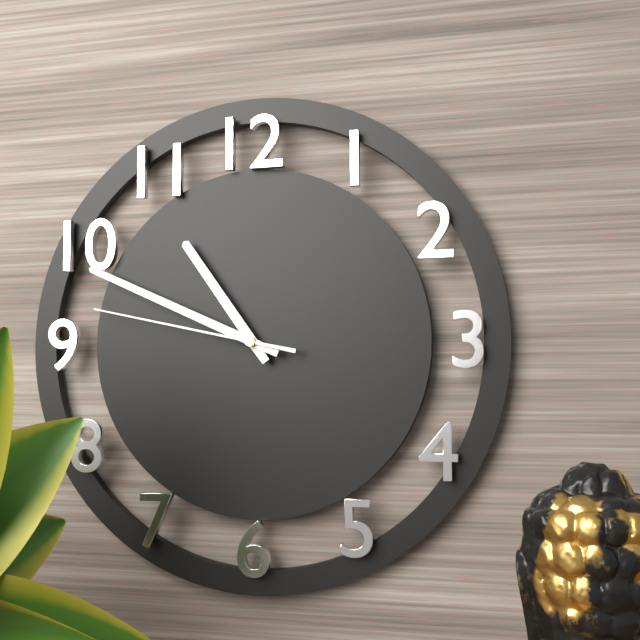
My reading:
{"hour": 10, "minute": 49, "second": 47}
